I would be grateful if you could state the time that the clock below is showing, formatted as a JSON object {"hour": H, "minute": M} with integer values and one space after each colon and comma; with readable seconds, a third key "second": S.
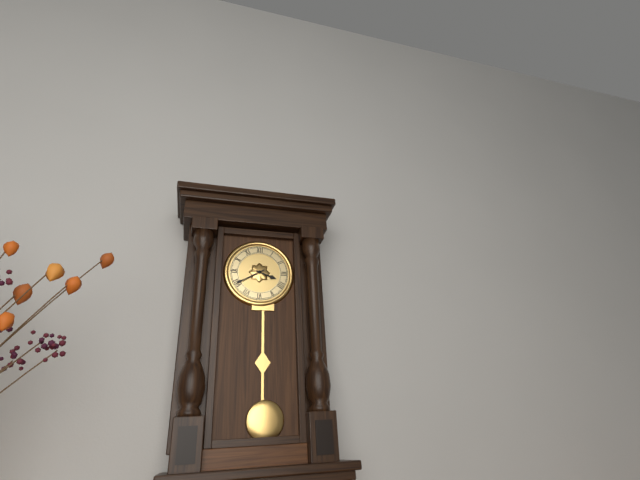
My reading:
{"hour": 3, "minute": 40}
